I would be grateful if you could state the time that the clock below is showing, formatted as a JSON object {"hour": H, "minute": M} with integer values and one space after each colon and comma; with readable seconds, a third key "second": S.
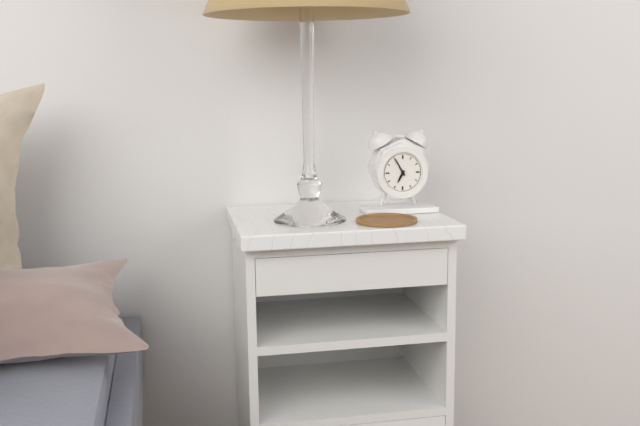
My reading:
{"hour": 6, "minute": 55}
